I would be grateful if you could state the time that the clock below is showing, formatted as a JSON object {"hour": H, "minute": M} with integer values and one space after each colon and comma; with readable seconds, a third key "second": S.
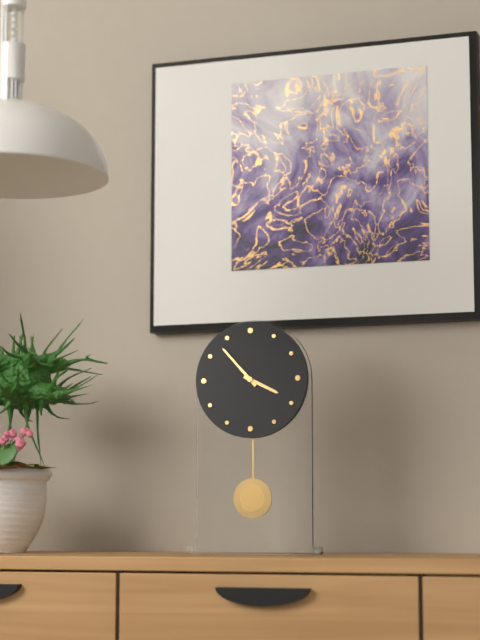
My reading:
{"hour": 3, "minute": 53}
